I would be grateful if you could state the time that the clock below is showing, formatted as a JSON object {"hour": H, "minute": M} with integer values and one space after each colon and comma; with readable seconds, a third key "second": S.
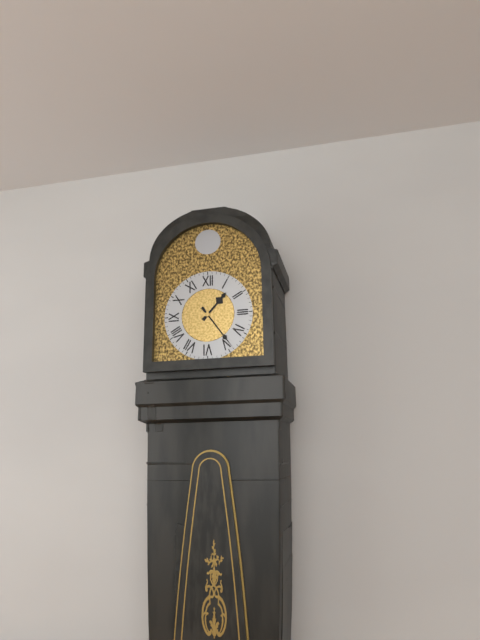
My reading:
{"hour": 1, "minute": 24}
